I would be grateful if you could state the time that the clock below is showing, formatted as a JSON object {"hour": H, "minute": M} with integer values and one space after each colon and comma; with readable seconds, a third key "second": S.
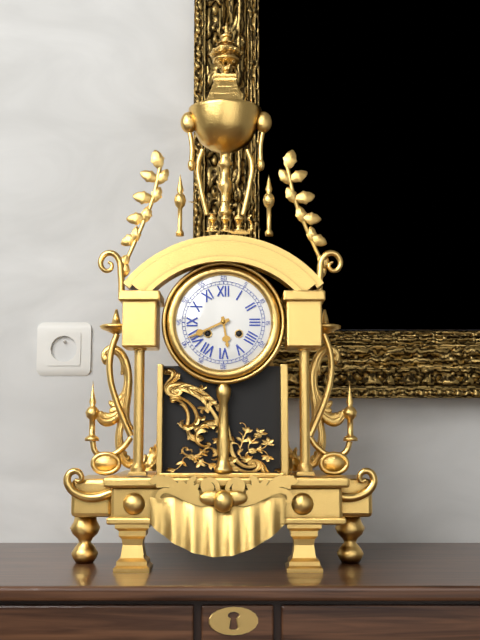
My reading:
{"hour": 5, "minute": 41}
